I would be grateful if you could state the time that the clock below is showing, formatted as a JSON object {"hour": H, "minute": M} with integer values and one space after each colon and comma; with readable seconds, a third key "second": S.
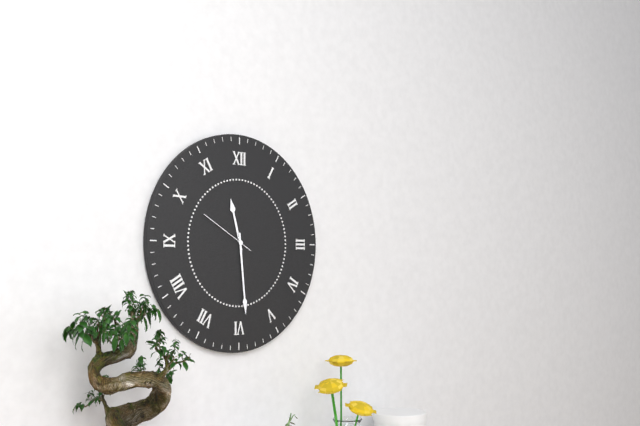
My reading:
{"hour": 11, "minute": 29, "second": 50}
